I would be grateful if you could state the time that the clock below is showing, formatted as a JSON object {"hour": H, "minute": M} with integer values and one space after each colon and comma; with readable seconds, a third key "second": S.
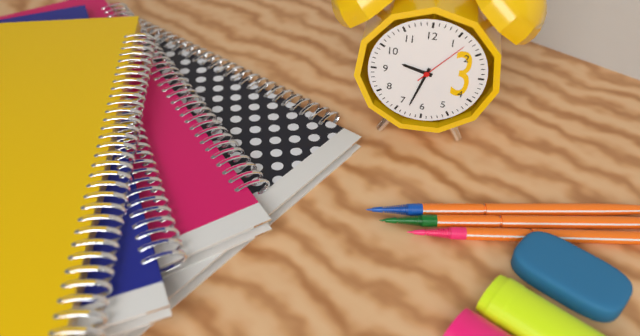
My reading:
{"hour": 9, "minute": 33, "second": 7}
